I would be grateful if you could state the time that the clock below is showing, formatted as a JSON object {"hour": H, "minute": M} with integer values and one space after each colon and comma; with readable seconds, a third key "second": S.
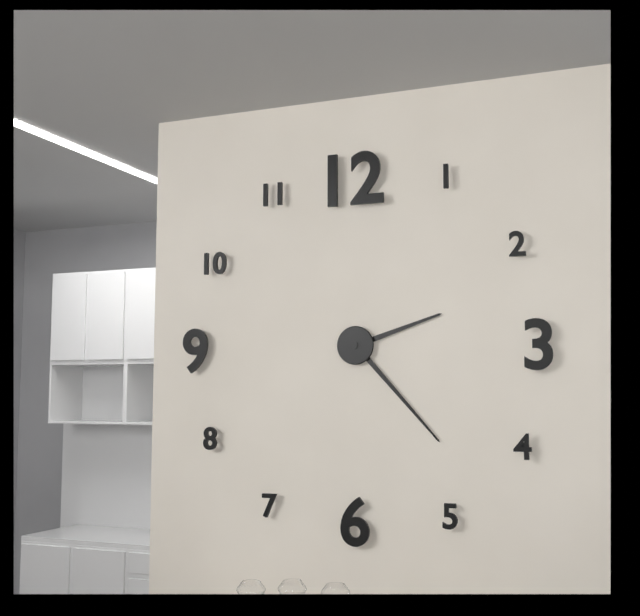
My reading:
{"hour": 2, "minute": 23}
